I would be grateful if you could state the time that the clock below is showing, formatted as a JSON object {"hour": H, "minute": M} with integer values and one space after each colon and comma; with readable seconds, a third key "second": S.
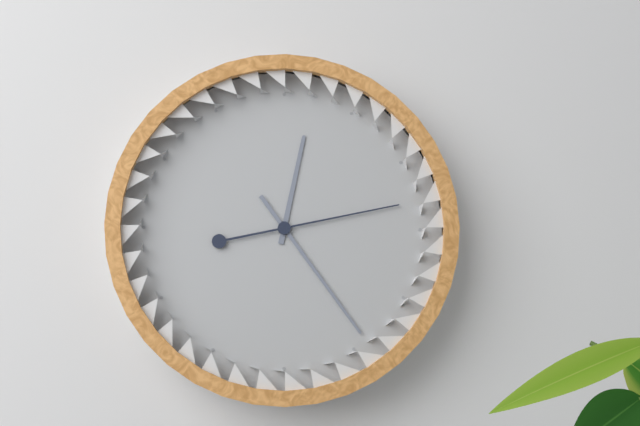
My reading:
{"hour": 12, "minute": 24, "second": 13}
